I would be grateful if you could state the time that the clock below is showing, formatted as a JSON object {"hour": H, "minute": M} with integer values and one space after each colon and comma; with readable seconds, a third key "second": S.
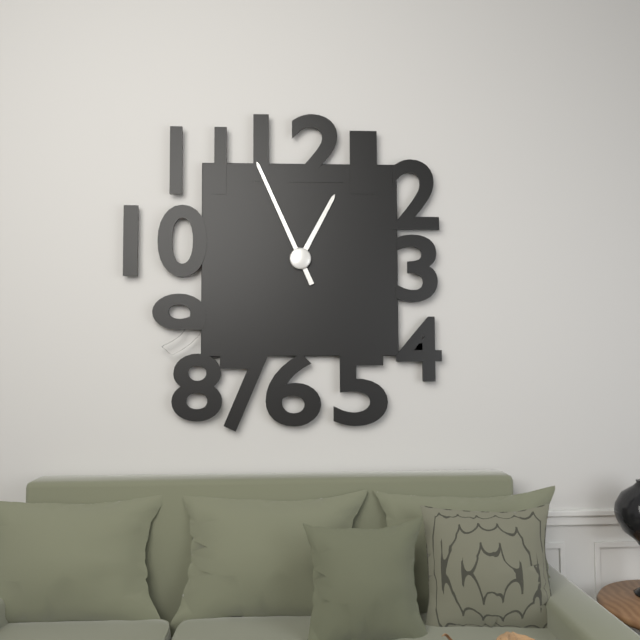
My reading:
{"hour": 12, "minute": 56}
